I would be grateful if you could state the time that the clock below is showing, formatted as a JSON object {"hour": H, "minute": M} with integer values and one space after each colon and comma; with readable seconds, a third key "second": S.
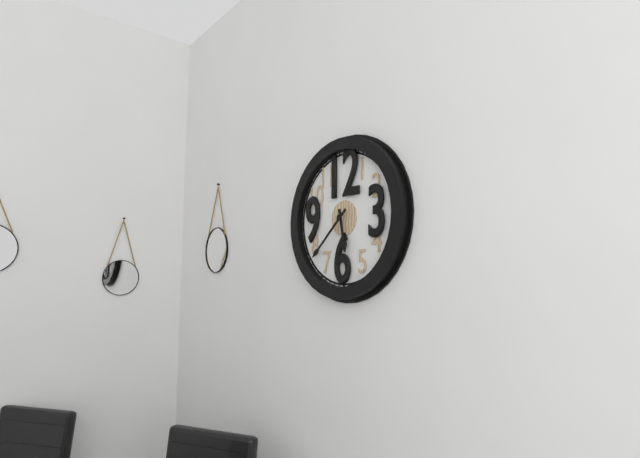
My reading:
{"hour": 5, "minute": 38}
